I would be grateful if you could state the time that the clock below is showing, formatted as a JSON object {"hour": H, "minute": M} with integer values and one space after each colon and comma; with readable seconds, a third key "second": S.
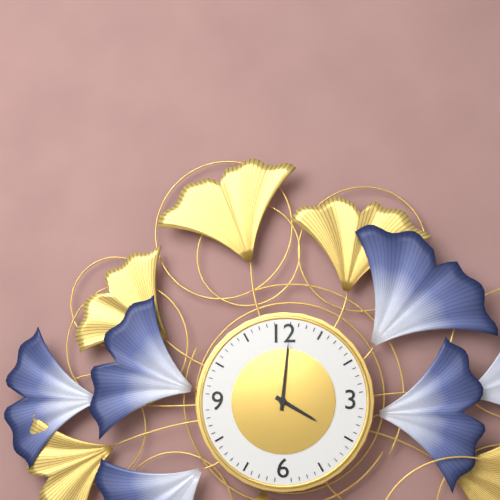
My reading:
{"hour": 4, "minute": 1}
